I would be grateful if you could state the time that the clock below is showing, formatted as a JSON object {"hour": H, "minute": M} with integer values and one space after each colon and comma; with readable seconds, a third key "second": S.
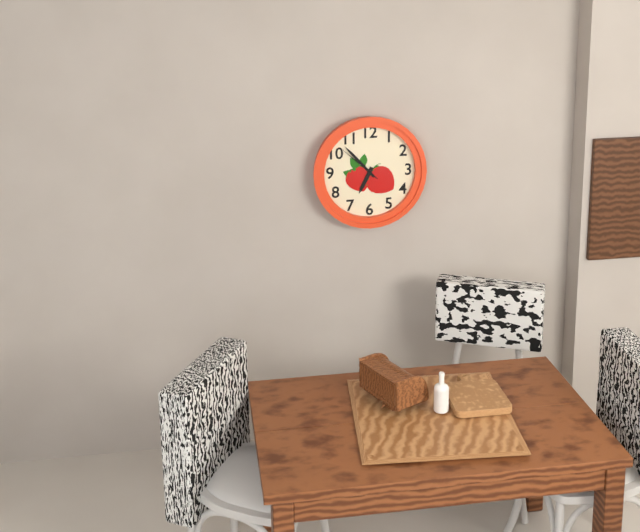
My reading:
{"hour": 6, "minute": 53}
